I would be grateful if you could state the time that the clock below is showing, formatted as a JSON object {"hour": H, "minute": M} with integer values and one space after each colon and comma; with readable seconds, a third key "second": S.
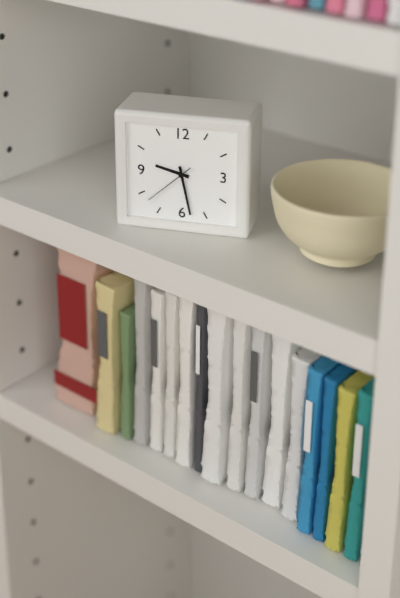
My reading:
{"hour": 9, "minute": 28, "second": 38}
